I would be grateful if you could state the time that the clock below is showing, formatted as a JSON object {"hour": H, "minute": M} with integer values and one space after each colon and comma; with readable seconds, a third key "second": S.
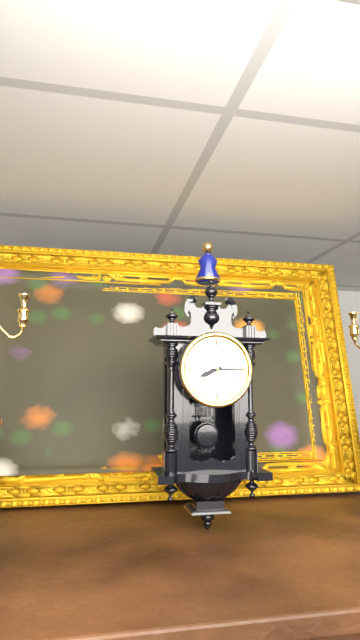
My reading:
{"hour": 8, "minute": 15}
